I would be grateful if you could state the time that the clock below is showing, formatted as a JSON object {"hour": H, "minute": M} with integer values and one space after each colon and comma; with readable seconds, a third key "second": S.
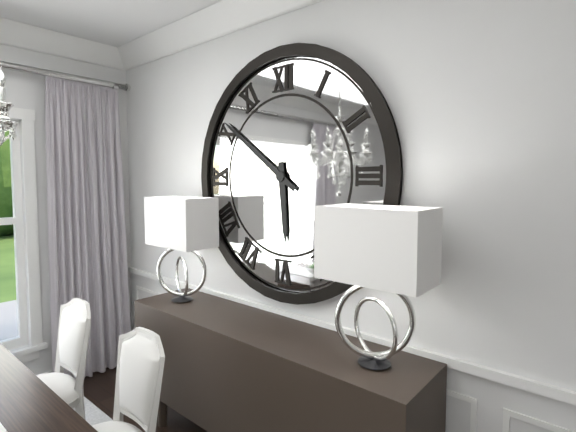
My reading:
{"hour": 5, "minute": 51}
